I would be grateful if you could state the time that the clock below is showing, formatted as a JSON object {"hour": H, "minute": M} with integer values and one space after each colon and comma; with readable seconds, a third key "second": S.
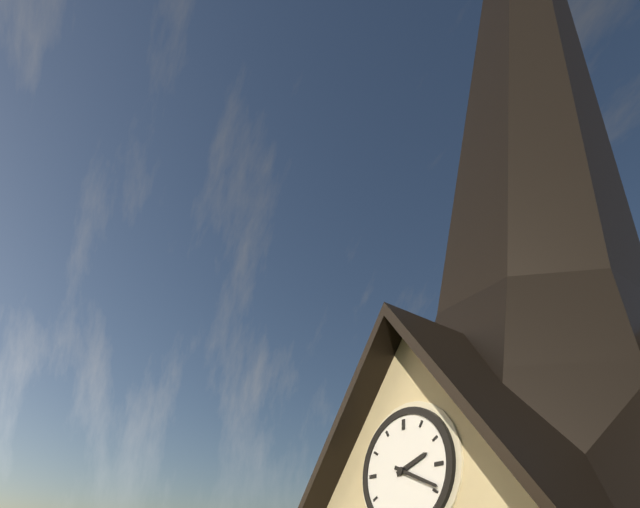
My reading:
{"hour": 2, "minute": 19}
